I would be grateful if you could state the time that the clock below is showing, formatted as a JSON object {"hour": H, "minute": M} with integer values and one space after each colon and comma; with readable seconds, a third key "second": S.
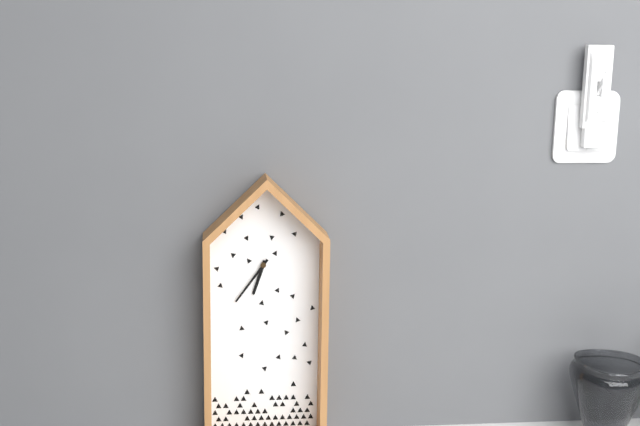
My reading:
{"hour": 6, "minute": 36}
